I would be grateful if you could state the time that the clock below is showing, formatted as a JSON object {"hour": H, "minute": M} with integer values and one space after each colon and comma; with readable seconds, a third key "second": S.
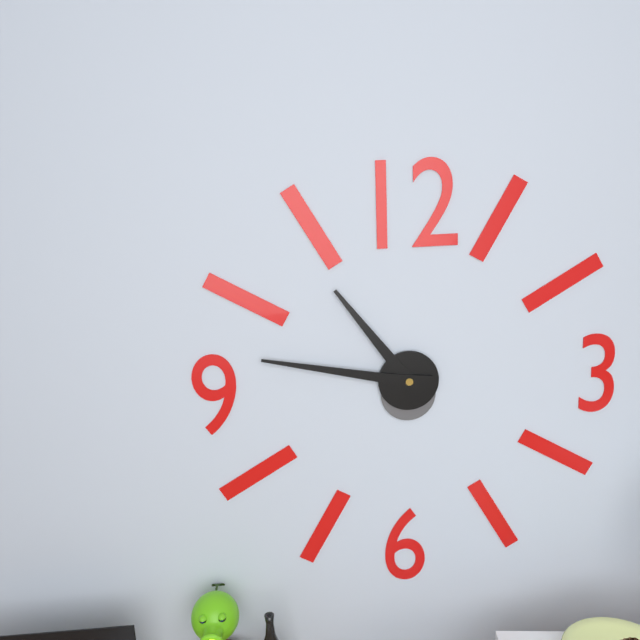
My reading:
{"hour": 10, "minute": 47}
